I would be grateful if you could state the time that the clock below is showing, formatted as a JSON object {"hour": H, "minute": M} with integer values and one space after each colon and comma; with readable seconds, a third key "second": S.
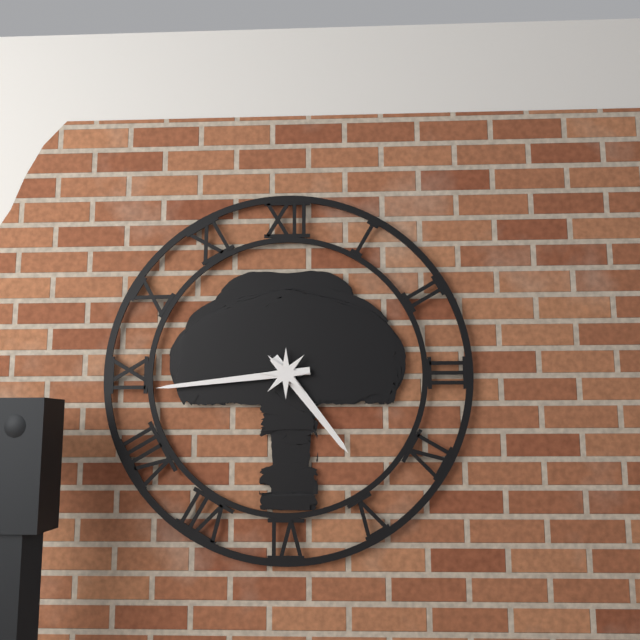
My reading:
{"hour": 4, "minute": 44}
